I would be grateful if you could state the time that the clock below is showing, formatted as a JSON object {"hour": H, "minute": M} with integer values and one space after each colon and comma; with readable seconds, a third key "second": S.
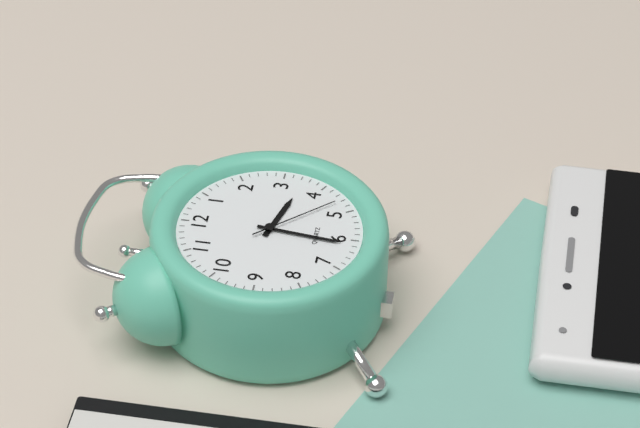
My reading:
{"hour": 3, "minute": 31, "second": 23}
